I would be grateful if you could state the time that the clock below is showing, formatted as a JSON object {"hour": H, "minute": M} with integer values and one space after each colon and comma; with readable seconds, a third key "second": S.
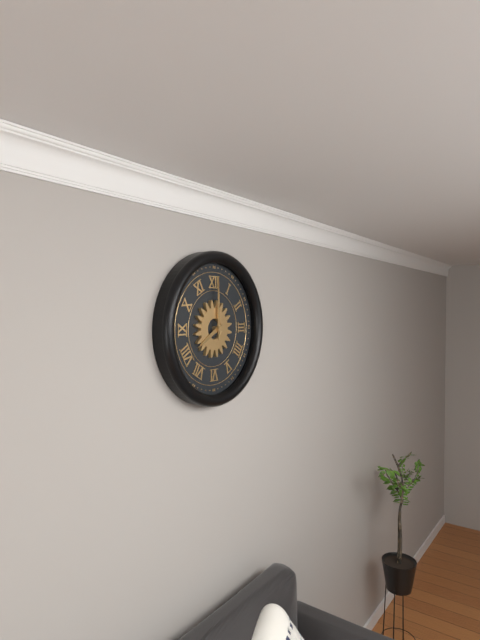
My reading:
{"hour": 8, "minute": 0}
